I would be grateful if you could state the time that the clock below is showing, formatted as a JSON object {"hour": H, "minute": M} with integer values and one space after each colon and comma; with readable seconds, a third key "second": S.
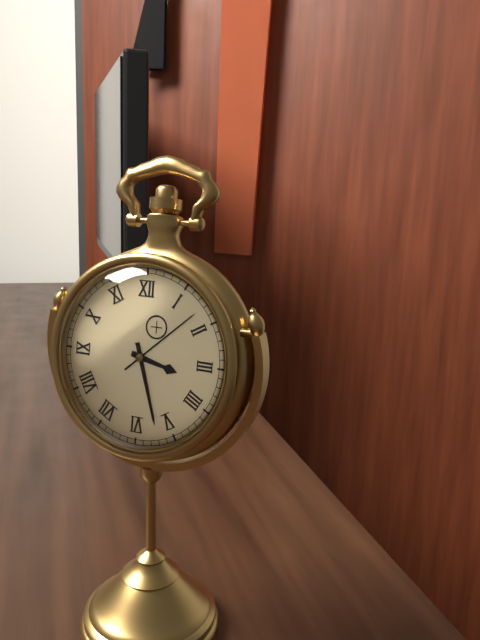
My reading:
{"hour": 3, "minute": 27, "second": 8}
